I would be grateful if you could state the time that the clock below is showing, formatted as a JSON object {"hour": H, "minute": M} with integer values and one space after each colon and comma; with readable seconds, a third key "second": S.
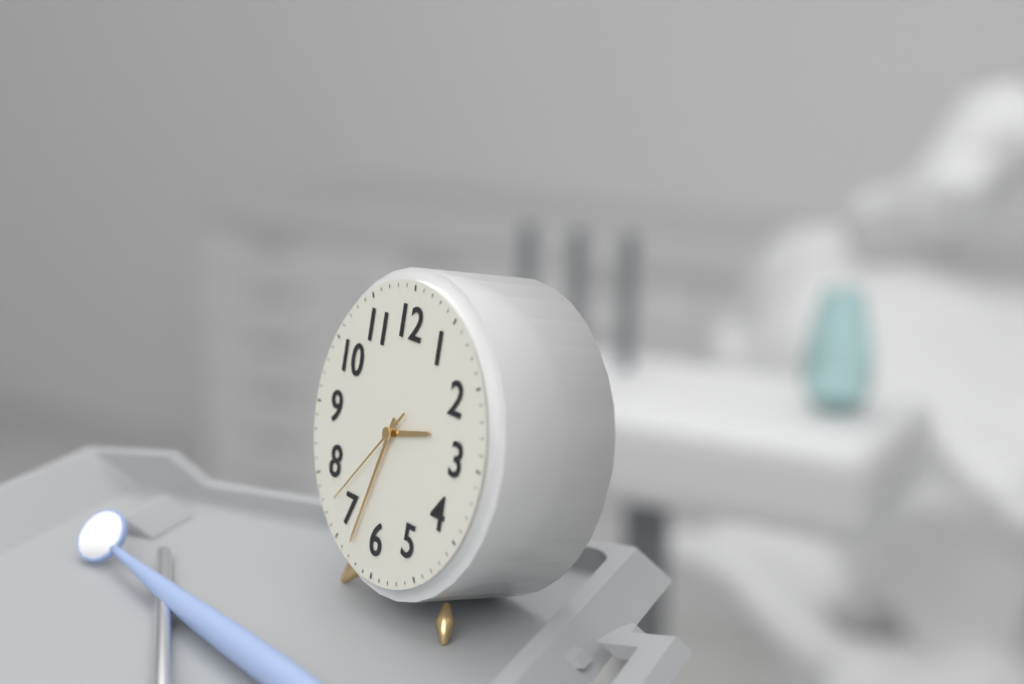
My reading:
{"hour": 2, "minute": 33, "second": 37}
